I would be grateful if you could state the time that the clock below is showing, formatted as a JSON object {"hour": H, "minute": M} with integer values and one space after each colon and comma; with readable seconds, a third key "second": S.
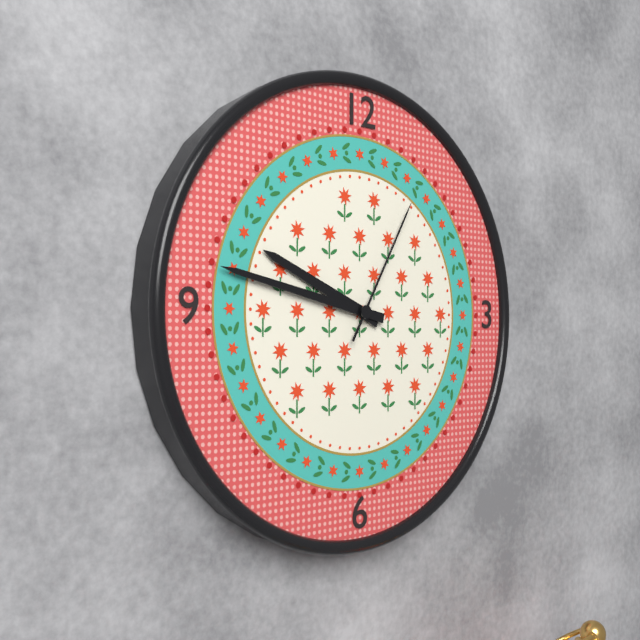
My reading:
{"hour": 9, "minute": 47, "second": 5}
